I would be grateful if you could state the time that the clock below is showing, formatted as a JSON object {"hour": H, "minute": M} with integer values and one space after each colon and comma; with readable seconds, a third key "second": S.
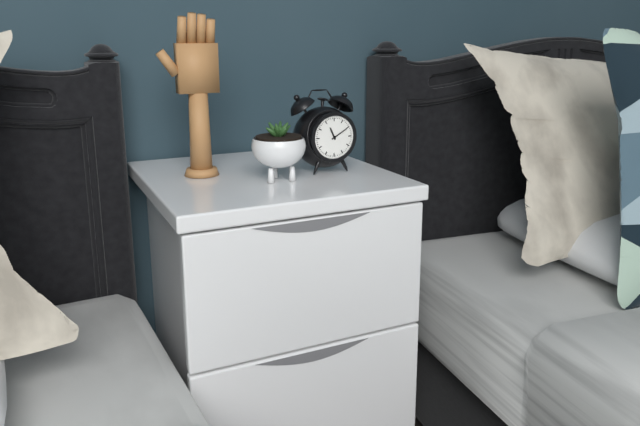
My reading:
{"hour": 11, "minute": 10}
